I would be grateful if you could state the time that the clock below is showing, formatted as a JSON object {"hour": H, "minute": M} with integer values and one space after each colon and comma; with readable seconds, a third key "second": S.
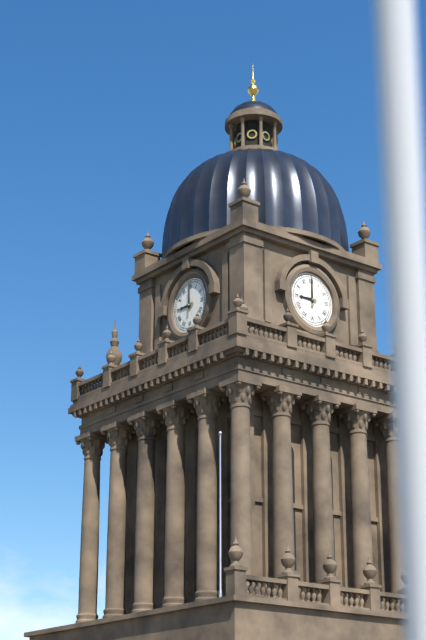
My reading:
{"hour": 9, "minute": 0}
